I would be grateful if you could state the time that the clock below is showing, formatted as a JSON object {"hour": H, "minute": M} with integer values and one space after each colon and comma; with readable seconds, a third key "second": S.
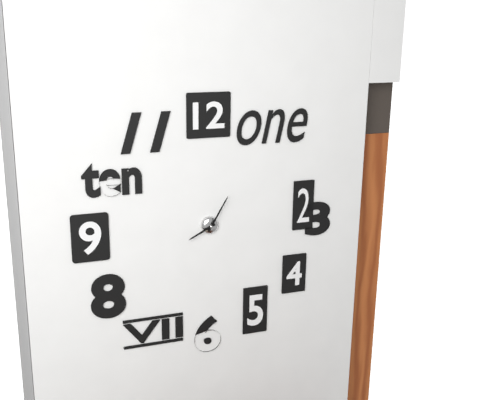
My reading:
{"hour": 8, "minute": 5}
